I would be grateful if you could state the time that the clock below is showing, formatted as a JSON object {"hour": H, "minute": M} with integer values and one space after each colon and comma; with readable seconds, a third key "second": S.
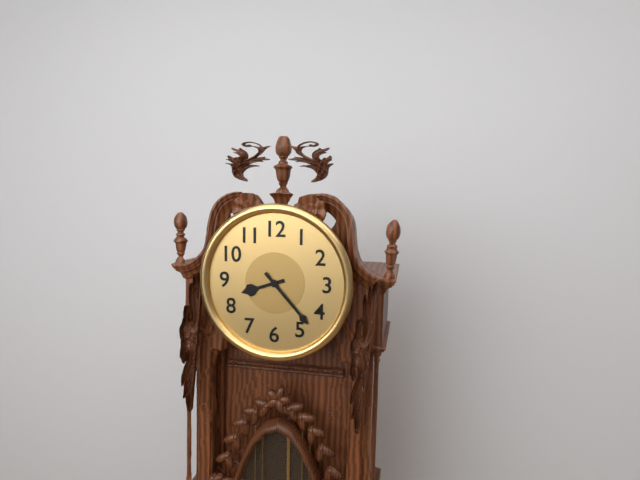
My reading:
{"hour": 8, "minute": 23}
